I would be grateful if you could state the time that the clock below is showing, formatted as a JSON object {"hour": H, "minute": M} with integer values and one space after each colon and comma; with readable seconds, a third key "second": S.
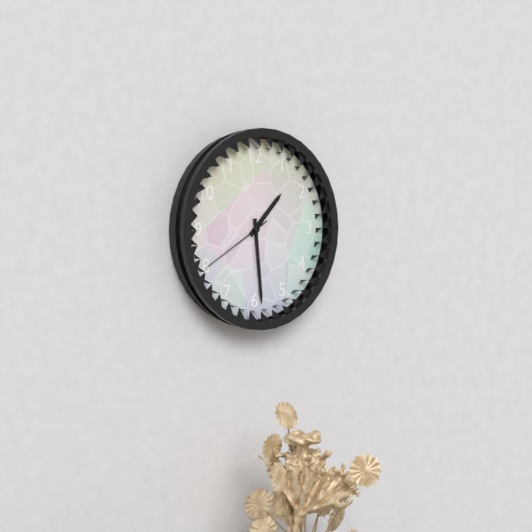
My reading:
{"hour": 1, "minute": 29, "second": 40}
